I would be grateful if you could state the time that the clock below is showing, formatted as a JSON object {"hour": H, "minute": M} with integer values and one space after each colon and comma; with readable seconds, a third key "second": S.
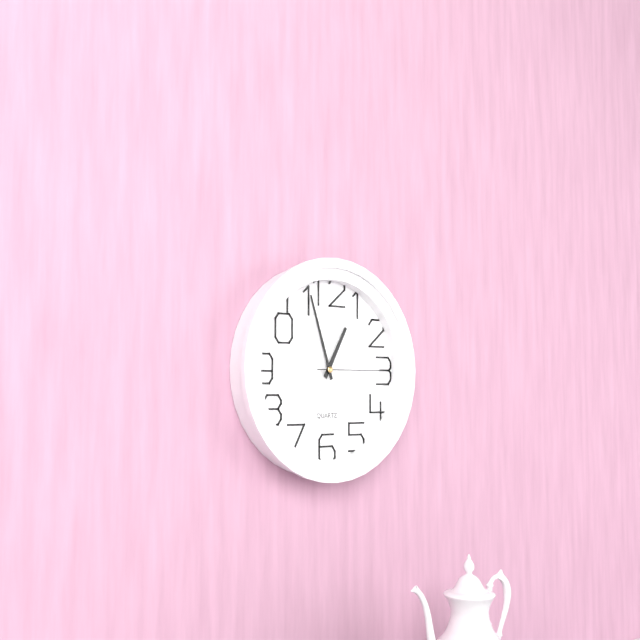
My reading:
{"hour": 12, "minute": 57, "second": 15}
